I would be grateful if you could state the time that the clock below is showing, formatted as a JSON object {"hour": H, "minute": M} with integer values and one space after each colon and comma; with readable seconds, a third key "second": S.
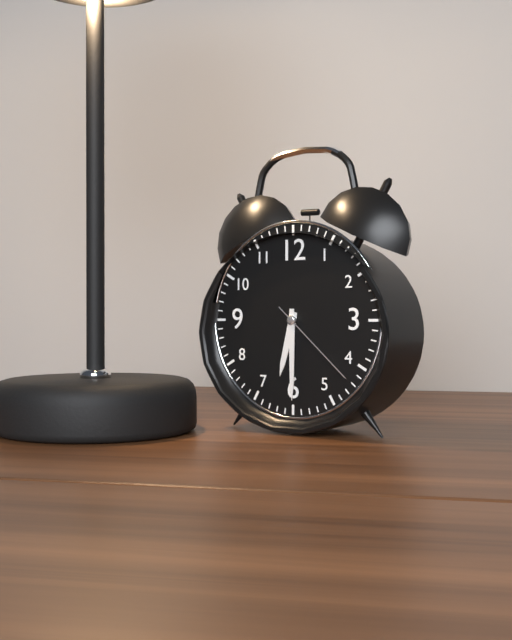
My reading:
{"hour": 6, "minute": 30, "second": 22}
